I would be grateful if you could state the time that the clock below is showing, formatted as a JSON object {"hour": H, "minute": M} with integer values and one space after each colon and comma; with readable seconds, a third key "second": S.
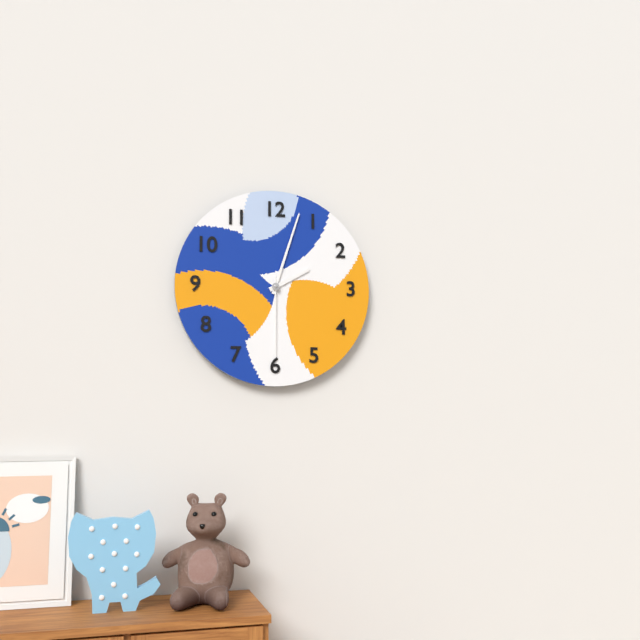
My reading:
{"hour": 2, "minute": 3, "second": 30}
